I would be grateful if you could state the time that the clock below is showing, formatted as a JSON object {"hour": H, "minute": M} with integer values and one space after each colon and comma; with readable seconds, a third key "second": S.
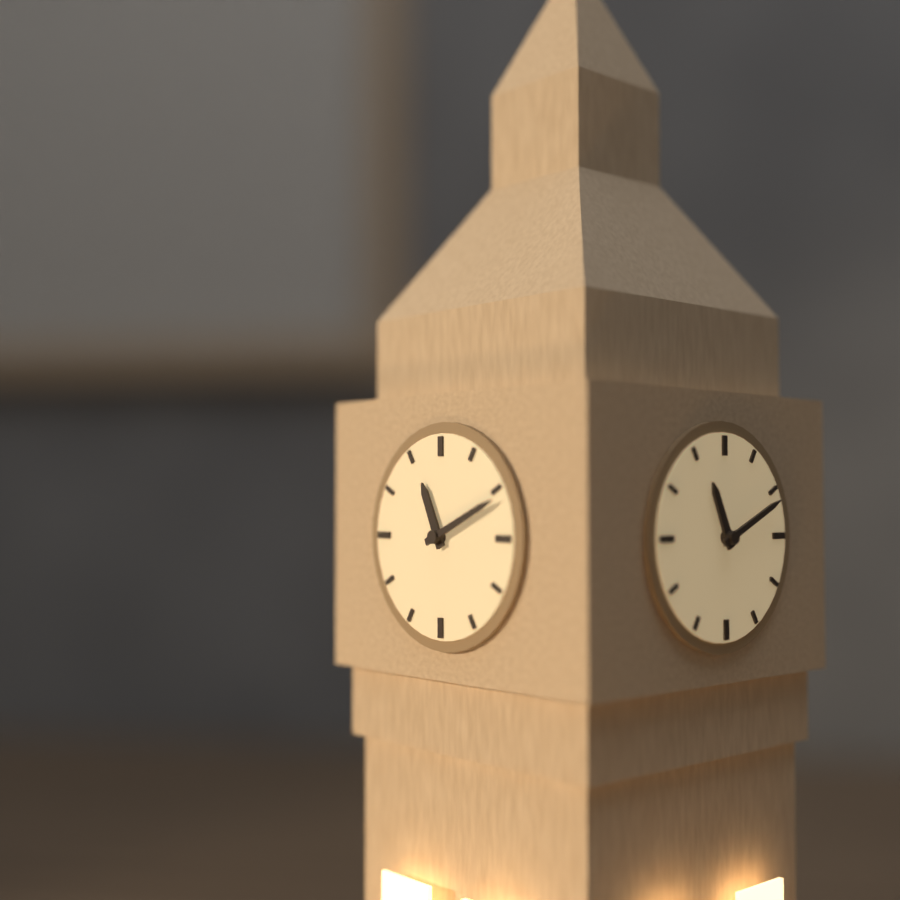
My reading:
{"hour": 11, "minute": 11}
